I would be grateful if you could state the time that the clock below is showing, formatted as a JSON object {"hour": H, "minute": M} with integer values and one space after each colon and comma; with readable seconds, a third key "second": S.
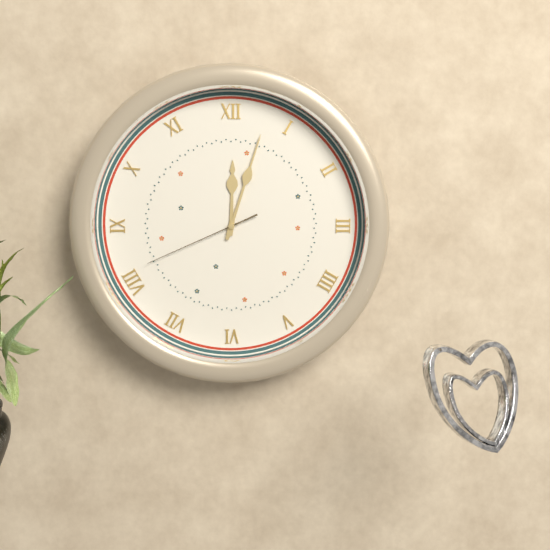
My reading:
{"hour": 12, "minute": 3, "second": 41}
